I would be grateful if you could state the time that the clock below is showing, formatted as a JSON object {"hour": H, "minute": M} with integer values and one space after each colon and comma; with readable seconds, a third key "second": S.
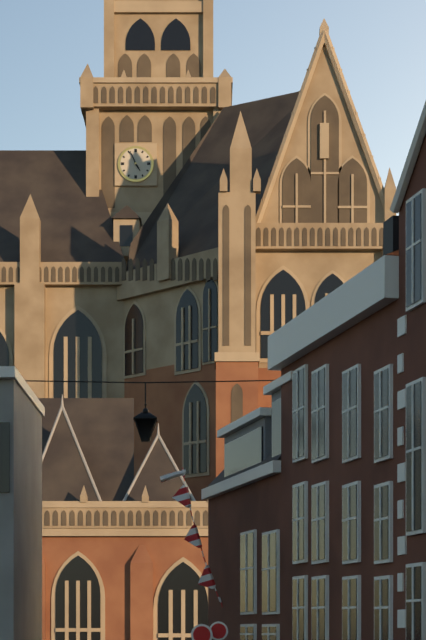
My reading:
{"hour": 4, "minute": 56}
